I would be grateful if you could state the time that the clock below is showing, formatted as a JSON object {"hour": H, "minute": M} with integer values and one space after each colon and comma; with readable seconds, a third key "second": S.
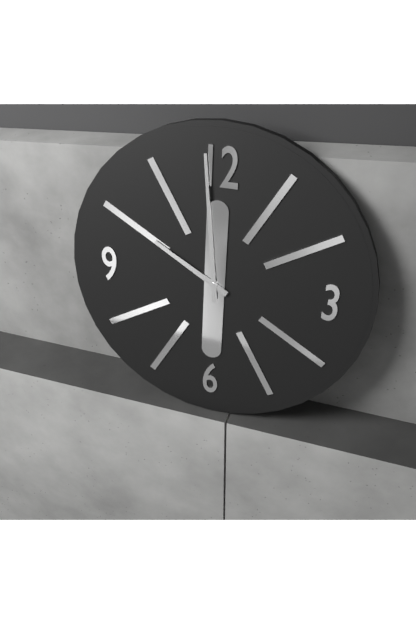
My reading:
{"hour": 9, "minute": 59}
